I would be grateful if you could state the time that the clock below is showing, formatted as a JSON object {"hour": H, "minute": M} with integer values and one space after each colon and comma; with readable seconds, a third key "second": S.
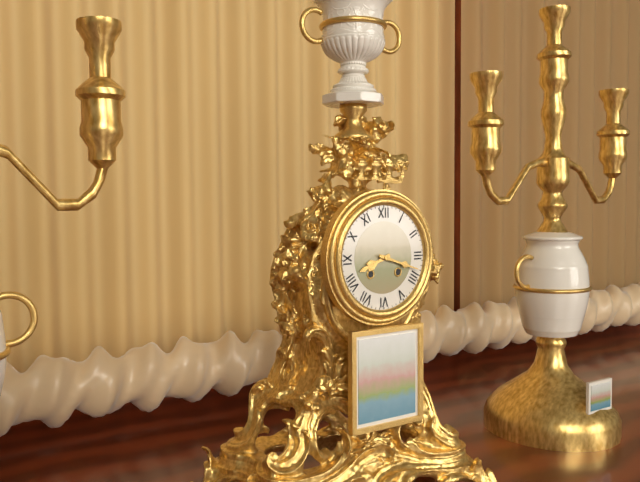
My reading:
{"hour": 8, "minute": 18}
